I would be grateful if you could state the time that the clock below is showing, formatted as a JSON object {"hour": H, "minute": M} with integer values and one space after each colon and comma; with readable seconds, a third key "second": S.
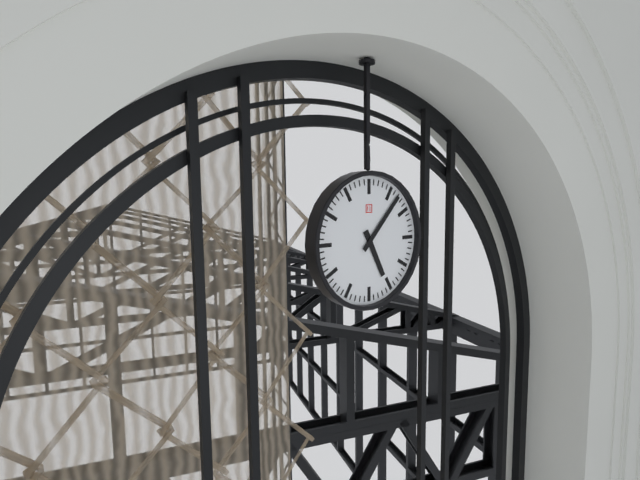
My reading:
{"hour": 5, "minute": 7}
